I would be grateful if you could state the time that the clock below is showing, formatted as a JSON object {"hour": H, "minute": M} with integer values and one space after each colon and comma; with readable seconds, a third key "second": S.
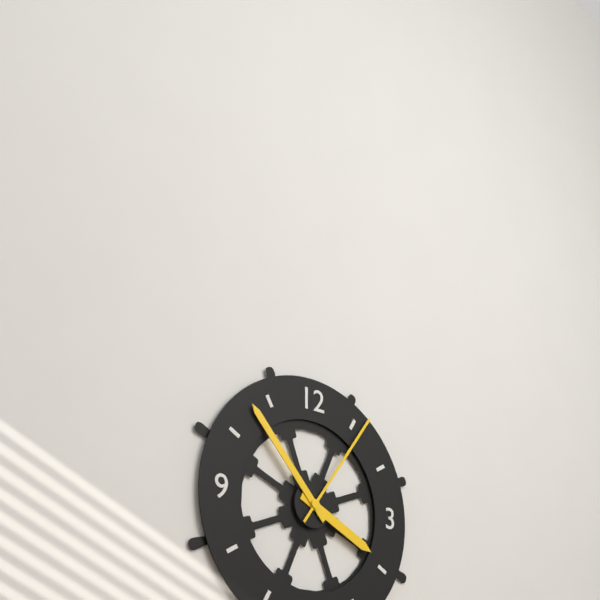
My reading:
{"hour": 3, "minute": 53, "second": 6}
